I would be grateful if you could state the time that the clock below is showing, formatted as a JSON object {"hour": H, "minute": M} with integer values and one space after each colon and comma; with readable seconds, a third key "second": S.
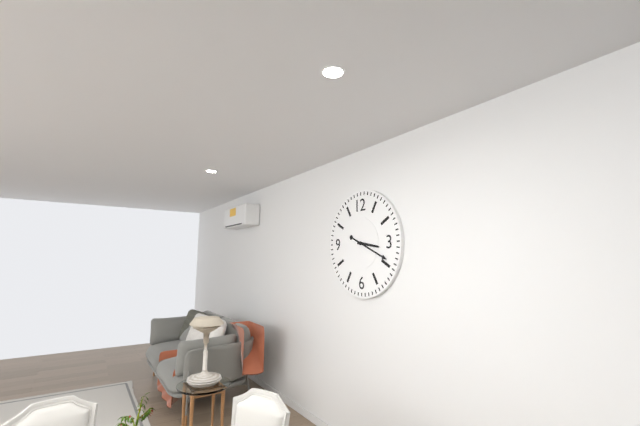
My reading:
{"hour": 3, "minute": 19}
